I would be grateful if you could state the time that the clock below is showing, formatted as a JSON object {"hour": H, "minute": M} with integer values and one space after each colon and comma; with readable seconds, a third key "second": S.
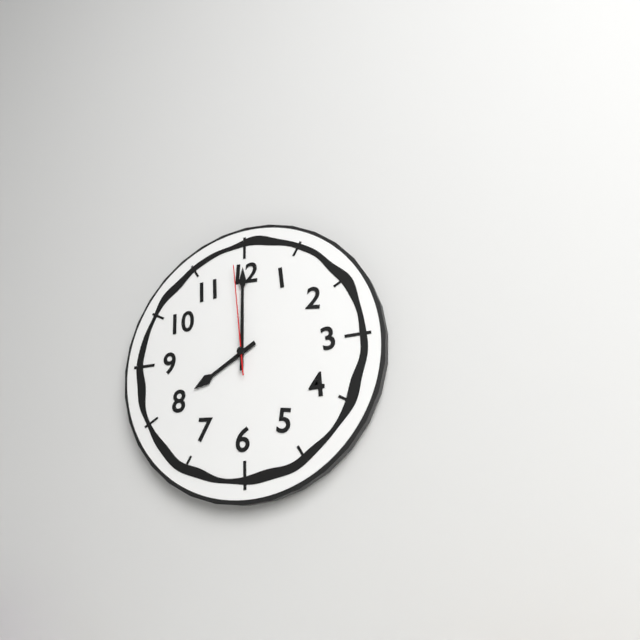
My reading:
{"hour": 8, "minute": 0, "second": 59}
